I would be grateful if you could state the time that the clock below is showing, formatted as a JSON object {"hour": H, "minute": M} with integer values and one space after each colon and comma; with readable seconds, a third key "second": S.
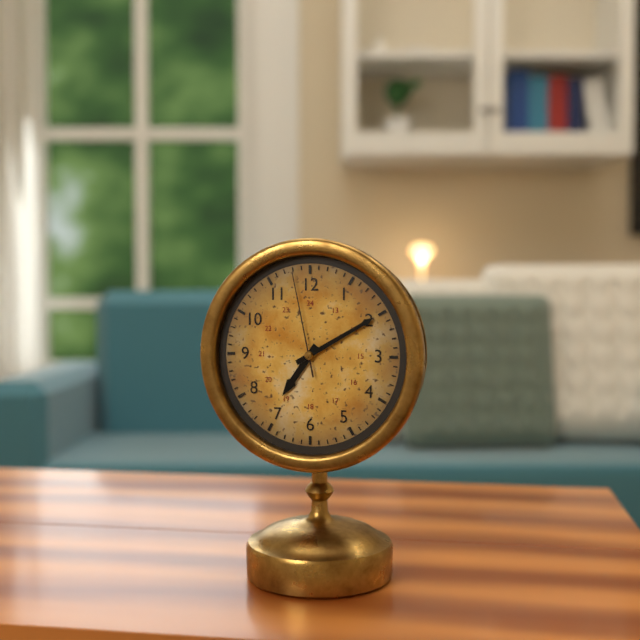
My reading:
{"hour": 7, "minute": 10, "second": 58}
